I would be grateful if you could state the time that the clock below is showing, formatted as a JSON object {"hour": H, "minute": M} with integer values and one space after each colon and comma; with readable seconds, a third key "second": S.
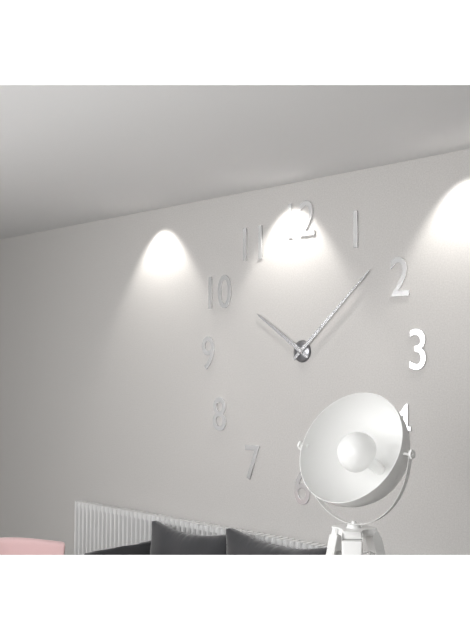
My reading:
{"hour": 10, "minute": 8}
